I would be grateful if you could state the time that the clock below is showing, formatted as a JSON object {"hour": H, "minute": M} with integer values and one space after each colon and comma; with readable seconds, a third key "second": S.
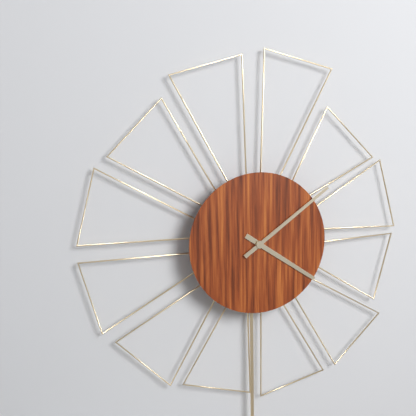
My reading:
{"hour": 4, "minute": 9}
